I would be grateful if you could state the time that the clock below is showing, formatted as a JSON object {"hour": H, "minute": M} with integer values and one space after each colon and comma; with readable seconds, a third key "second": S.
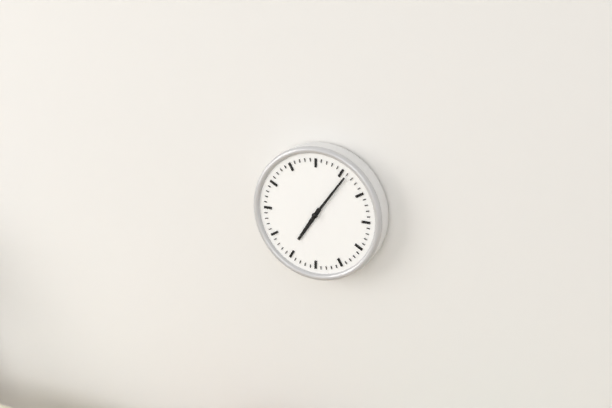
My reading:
{"hour": 7, "minute": 6}
